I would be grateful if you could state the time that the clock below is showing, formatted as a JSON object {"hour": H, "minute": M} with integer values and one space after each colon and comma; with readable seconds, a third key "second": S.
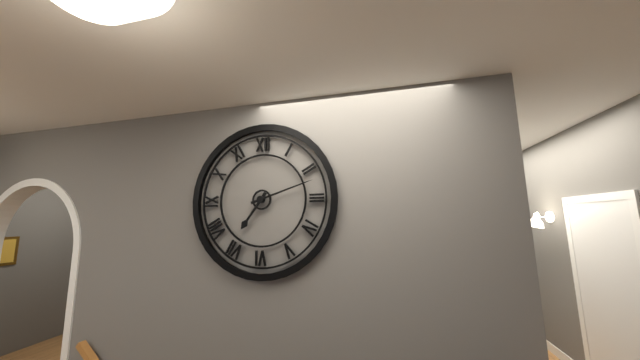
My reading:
{"hour": 7, "minute": 12}
